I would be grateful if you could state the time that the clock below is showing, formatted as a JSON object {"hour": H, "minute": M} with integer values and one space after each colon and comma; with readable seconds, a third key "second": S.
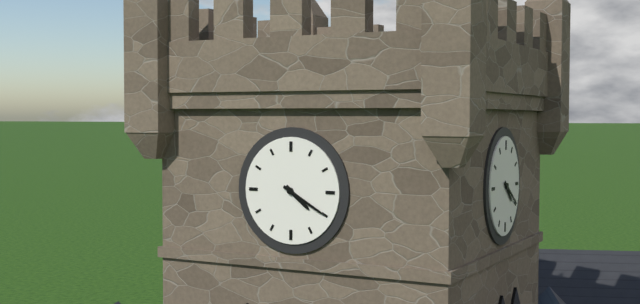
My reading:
{"hour": 4, "minute": 20}
